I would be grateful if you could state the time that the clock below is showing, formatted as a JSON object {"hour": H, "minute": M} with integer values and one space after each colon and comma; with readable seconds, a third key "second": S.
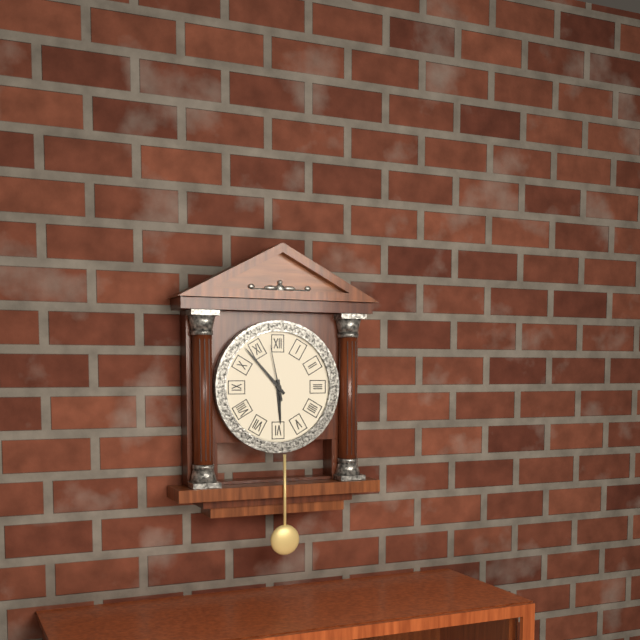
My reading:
{"hour": 5, "minute": 53, "second": 58}
